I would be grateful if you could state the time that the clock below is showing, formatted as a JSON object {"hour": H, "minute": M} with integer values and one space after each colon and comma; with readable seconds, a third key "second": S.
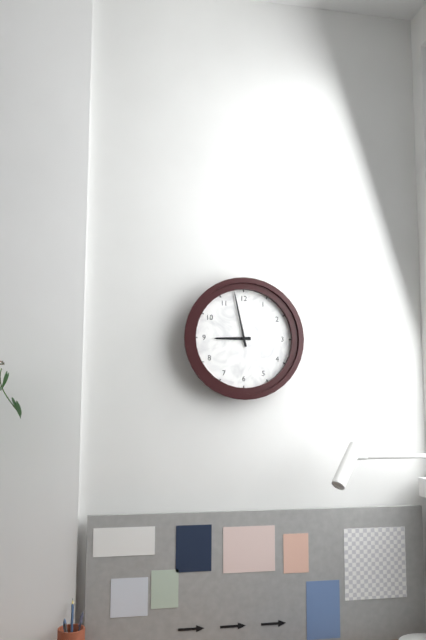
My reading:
{"hour": 8, "minute": 58}
